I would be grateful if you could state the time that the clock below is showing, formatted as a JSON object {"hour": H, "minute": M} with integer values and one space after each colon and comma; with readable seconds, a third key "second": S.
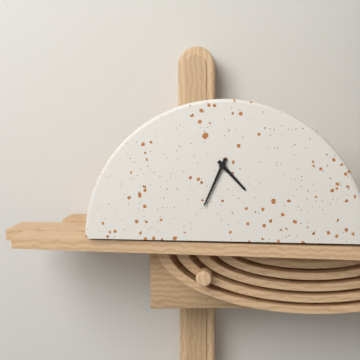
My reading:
{"hour": 4, "minute": 34}
